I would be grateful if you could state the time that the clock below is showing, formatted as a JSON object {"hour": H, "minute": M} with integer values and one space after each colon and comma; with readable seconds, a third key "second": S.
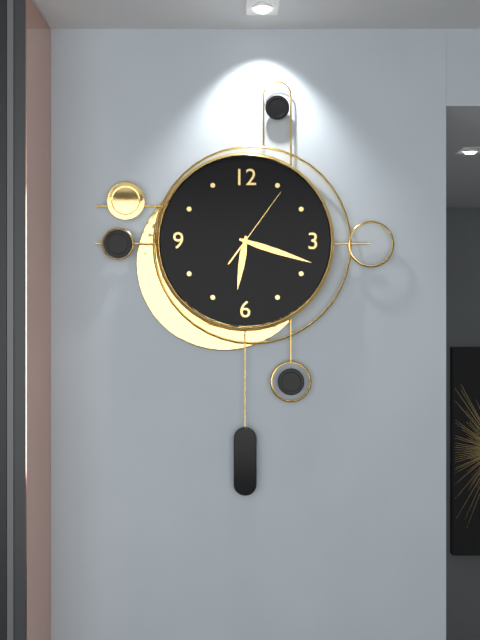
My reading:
{"hour": 6, "minute": 18, "second": 6}
